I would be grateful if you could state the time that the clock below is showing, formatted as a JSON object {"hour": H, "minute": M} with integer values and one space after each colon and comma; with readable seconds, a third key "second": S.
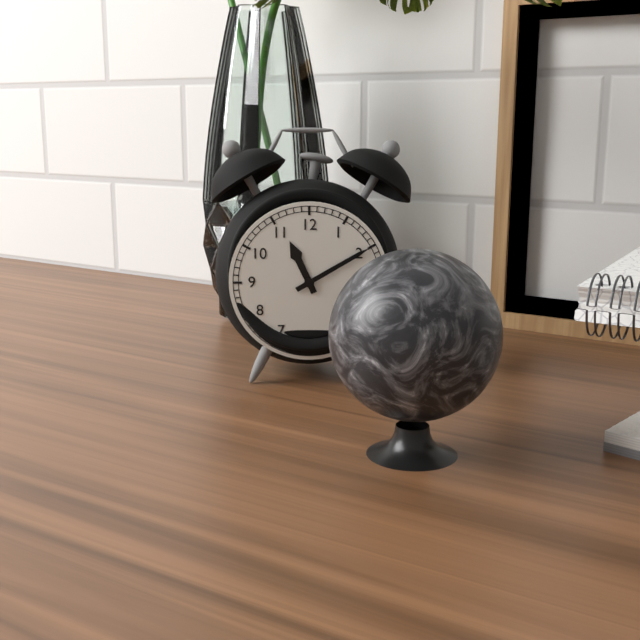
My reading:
{"hour": 11, "minute": 10}
